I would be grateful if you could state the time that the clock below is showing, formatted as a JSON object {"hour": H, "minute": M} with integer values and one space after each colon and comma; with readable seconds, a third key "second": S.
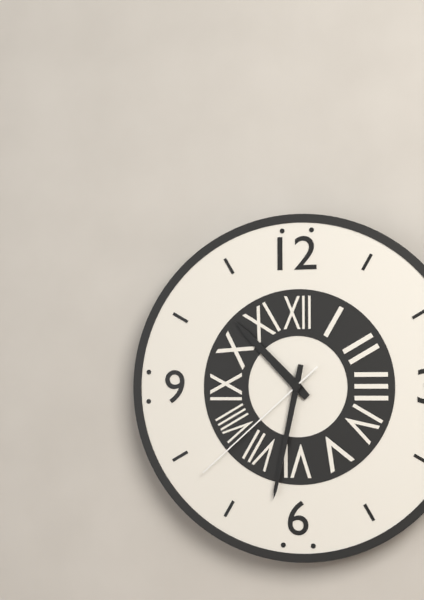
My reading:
{"hour": 10, "minute": 32, "second": 38}
